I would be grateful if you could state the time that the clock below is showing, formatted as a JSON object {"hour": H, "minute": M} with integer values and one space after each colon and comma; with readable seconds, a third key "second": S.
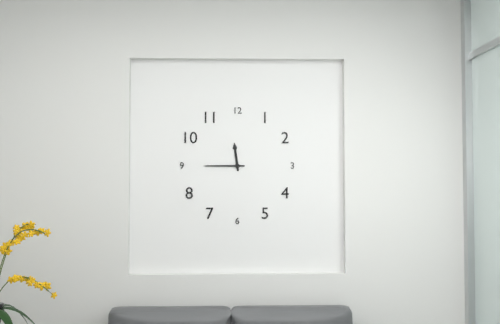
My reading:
{"hour": 11, "minute": 45}
